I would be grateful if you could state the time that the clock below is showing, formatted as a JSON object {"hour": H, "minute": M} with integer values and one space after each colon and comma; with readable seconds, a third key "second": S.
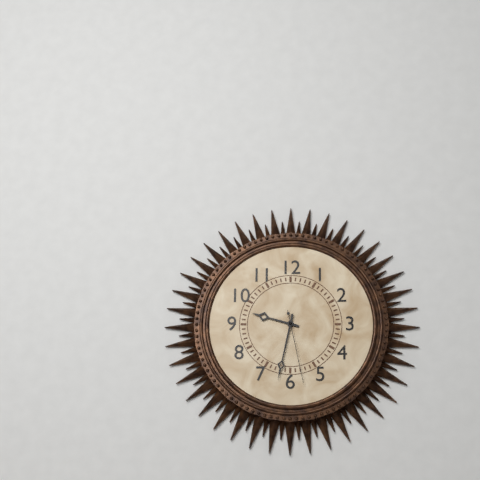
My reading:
{"hour": 9, "minute": 32, "second": 28}
